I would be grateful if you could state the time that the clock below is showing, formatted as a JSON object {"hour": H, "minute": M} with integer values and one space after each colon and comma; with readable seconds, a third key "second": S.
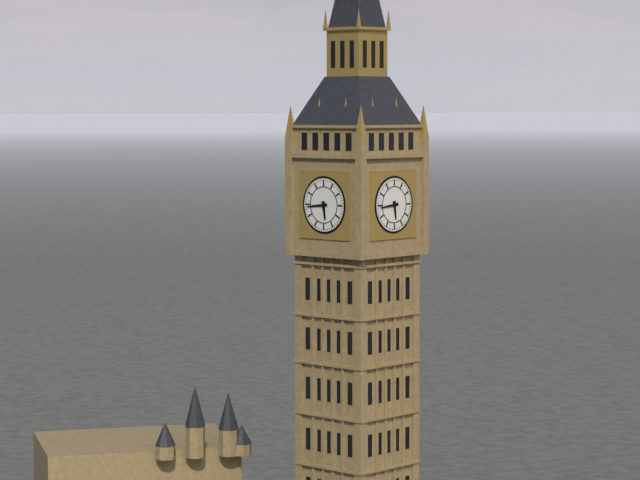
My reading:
{"hour": 5, "minute": 44}
